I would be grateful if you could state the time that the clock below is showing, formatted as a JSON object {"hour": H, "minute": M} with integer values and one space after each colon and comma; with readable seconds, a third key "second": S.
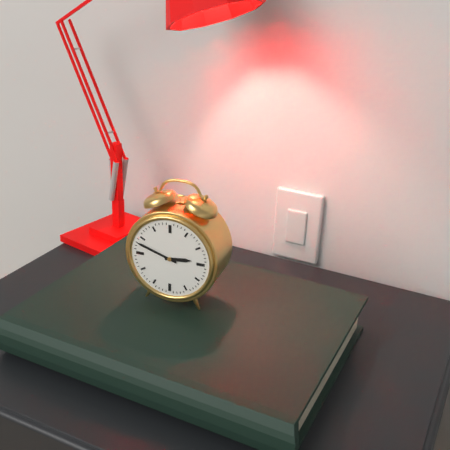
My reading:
{"hour": 2, "minute": 48}
